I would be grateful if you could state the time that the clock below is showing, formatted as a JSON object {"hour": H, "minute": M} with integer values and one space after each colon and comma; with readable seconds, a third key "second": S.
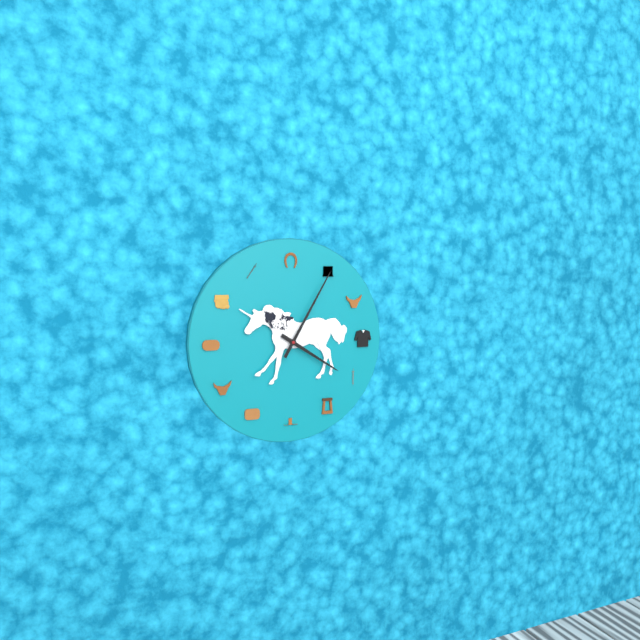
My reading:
{"hour": 4, "minute": 5}
